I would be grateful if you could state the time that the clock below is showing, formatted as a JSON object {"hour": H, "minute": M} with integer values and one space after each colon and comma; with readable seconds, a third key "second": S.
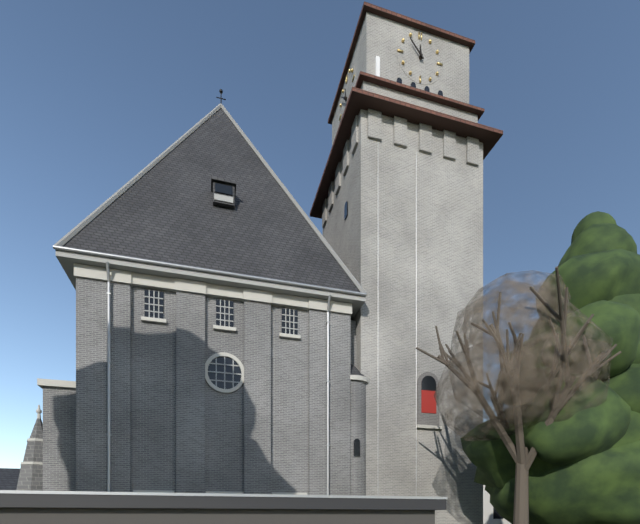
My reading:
{"hour": 11, "minute": 53}
